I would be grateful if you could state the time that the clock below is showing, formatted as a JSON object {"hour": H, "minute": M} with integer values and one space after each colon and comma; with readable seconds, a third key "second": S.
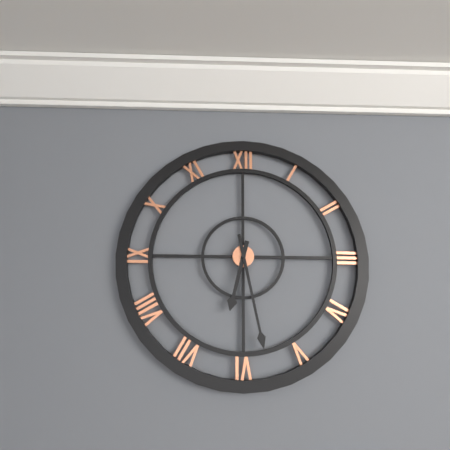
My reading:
{"hour": 6, "minute": 28}
